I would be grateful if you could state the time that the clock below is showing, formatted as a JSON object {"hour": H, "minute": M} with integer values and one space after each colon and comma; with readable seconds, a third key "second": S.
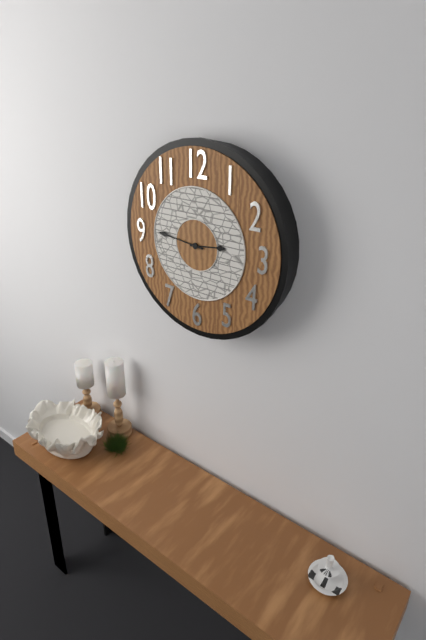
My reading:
{"hour": 2, "minute": 46}
